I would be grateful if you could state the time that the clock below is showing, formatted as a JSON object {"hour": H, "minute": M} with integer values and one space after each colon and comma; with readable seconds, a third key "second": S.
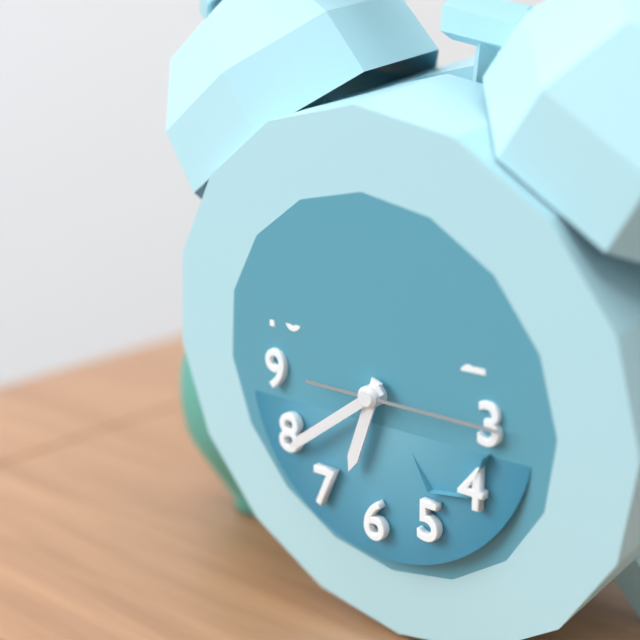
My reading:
{"hour": 6, "minute": 39, "second": 15}
